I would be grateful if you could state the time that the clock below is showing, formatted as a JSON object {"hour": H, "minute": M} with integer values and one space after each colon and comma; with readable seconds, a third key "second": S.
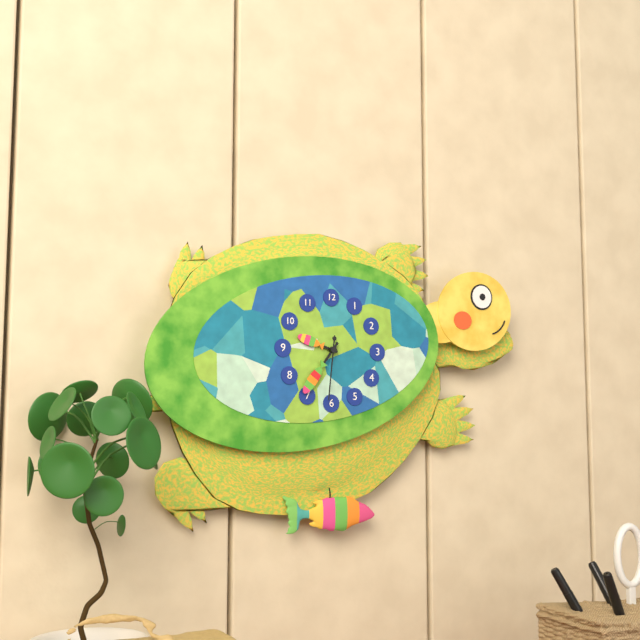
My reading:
{"hour": 9, "minute": 36, "second": 31}
